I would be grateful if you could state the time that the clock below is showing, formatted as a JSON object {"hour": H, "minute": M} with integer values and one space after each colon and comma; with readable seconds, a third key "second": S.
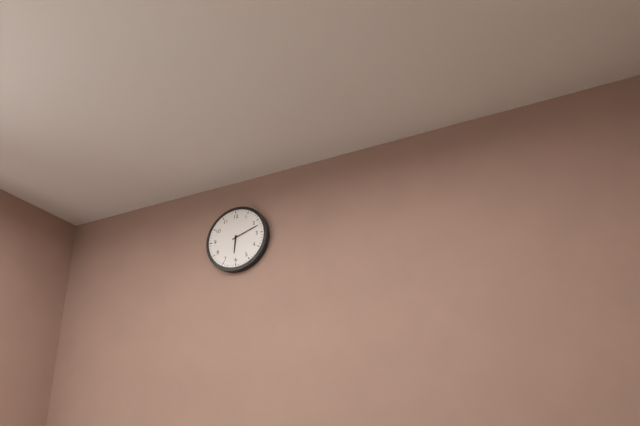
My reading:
{"hour": 6, "minute": 12}
